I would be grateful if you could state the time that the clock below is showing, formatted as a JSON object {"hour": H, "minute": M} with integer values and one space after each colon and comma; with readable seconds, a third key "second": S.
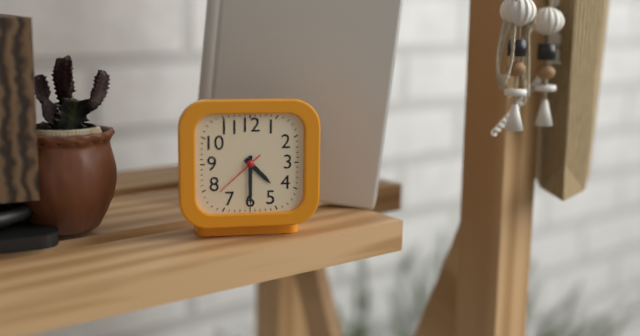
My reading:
{"hour": 4, "minute": 30, "second": 38}
